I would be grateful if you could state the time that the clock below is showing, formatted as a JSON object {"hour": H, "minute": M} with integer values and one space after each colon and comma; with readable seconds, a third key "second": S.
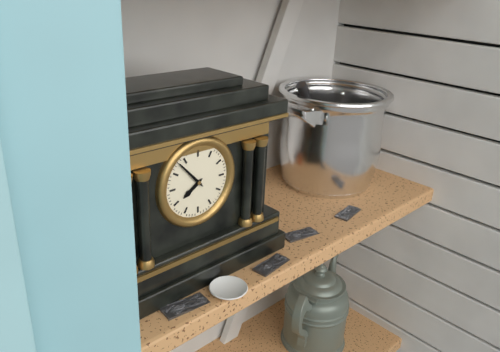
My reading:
{"hour": 7, "minute": 53}
